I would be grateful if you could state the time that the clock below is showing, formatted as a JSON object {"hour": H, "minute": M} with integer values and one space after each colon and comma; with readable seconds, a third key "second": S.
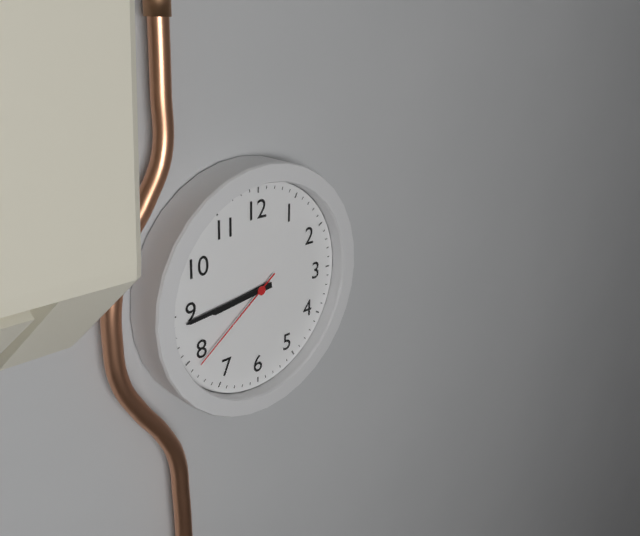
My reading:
{"hour": 8, "minute": 44, "second": 39}
